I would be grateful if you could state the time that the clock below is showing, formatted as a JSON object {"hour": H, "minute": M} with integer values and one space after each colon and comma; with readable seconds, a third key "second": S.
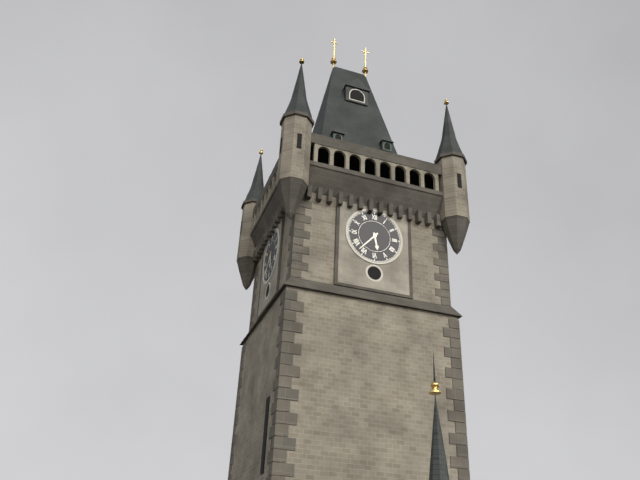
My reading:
{"hour": 5, "minute": 37}
